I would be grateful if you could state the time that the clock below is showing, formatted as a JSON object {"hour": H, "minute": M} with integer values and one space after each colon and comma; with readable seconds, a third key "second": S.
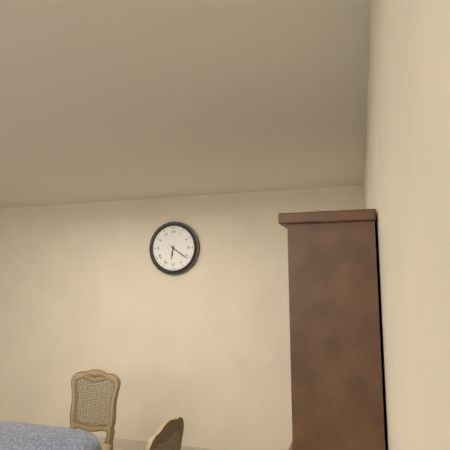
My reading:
{"hour": 6, "minute": 21}
